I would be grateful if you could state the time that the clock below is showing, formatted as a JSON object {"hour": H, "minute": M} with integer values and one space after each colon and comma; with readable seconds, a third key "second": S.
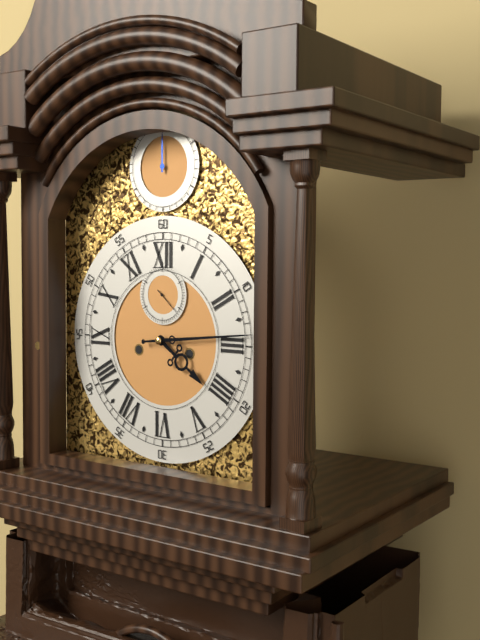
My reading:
{"hour": 4, "minute": 14}
